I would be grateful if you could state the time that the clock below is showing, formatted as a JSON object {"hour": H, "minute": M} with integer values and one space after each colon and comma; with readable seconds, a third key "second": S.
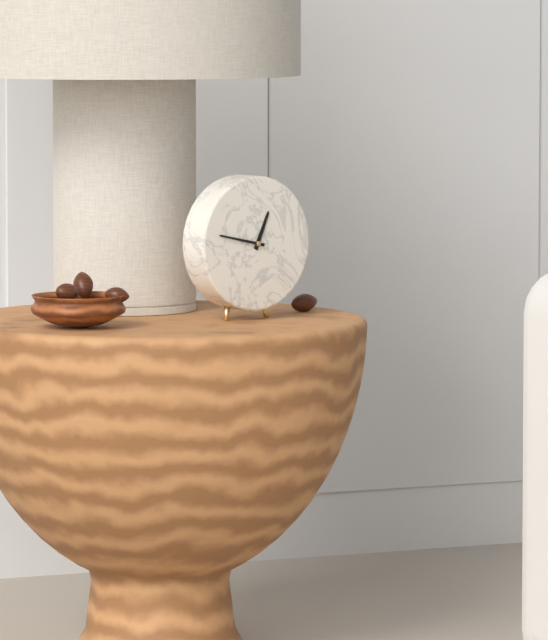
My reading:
{"hour": 12, "minute": 47}
